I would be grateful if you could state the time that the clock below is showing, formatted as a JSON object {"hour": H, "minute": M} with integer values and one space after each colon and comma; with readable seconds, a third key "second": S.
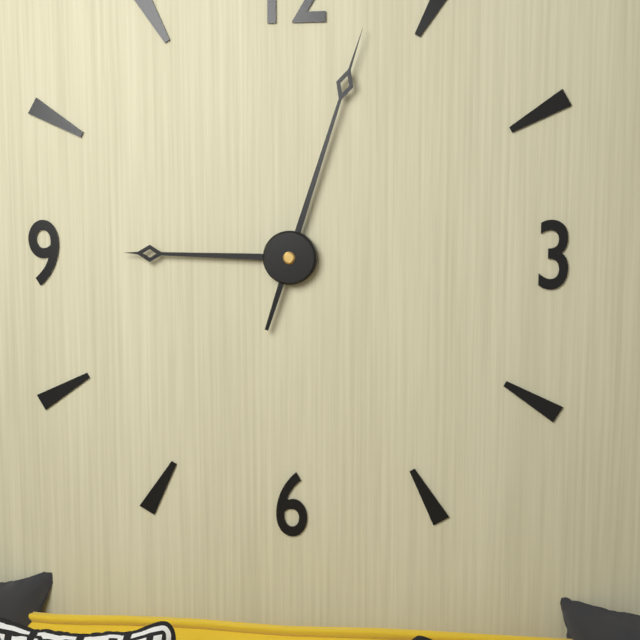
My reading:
{"hour": 9, "minute": 3}
